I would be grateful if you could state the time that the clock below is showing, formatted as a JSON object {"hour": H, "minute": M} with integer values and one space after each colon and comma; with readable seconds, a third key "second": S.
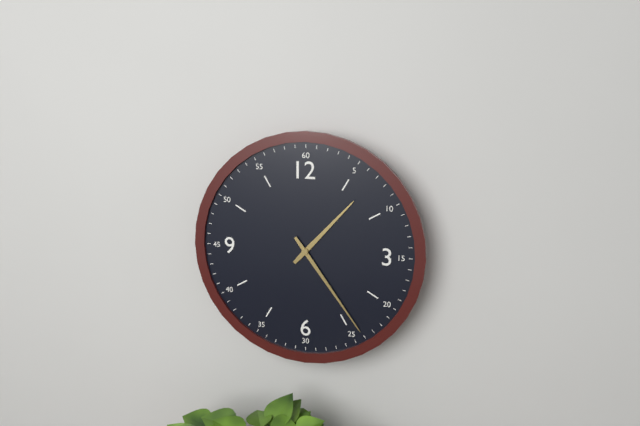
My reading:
{"hour": 1, "minute": 24}
